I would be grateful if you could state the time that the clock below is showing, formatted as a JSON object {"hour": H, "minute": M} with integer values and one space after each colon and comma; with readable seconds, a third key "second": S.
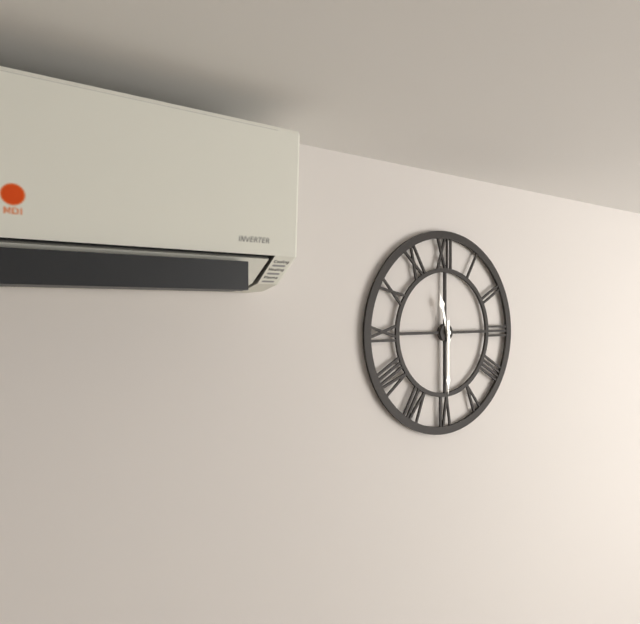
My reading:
{"hour": 11, "minute": 30}
